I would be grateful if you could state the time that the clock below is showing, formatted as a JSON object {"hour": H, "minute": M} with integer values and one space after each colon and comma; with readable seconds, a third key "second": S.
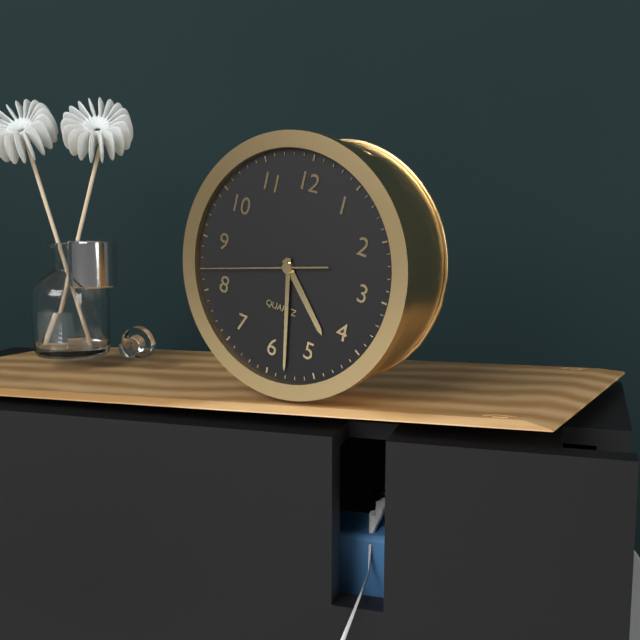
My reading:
{"hour": 4, "minute": 28, "second": 42}
